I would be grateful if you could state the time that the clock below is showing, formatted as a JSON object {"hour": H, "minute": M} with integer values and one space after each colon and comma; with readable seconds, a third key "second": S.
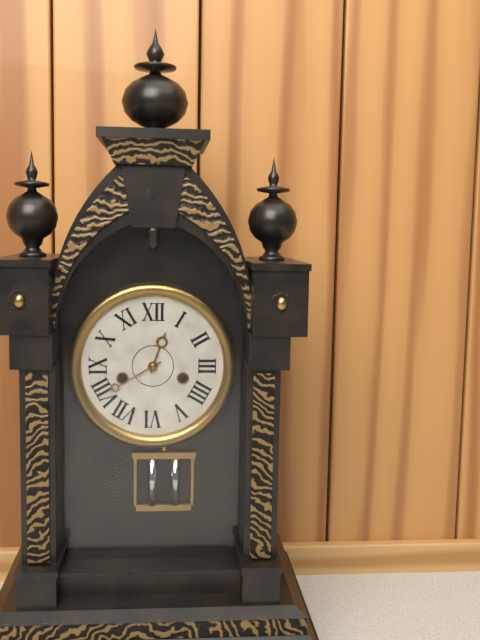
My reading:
{"hour": 12, "minute": 40}
